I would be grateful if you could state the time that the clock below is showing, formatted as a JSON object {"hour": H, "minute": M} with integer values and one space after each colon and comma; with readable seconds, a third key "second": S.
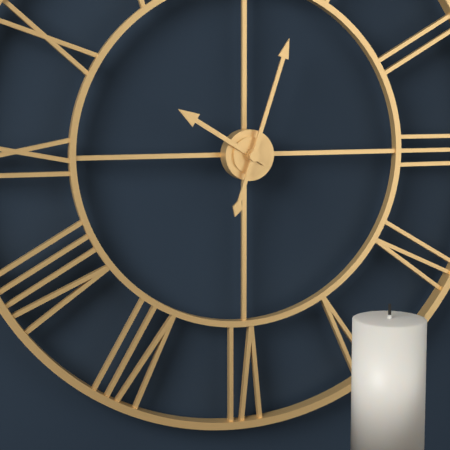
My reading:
{"hour": 10, "minute": 3}
